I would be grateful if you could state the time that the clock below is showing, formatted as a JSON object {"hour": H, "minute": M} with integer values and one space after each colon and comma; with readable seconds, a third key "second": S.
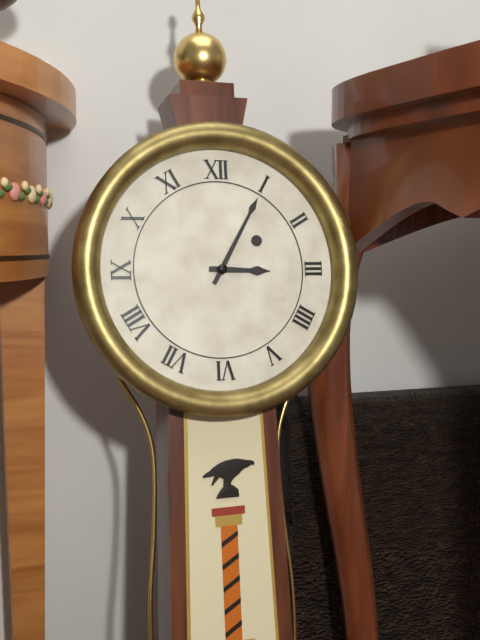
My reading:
{"hour": 3, "minute": 5}
